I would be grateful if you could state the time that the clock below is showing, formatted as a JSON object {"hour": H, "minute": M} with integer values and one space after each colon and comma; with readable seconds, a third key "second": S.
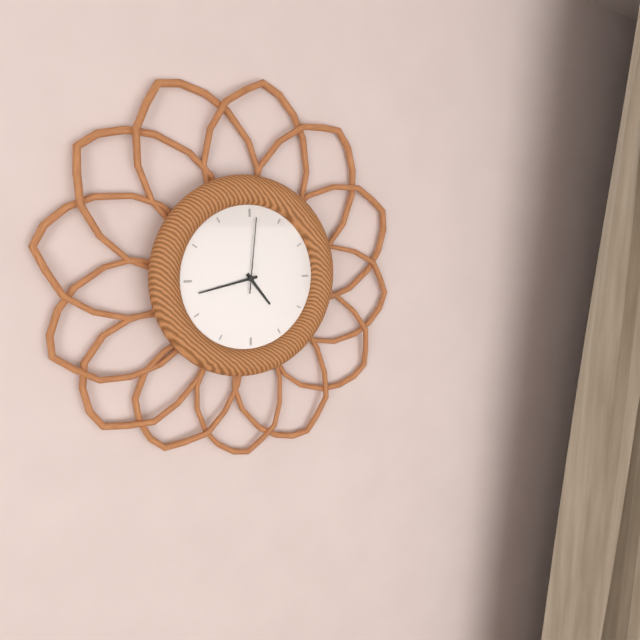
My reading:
{"hour": 4, "minute": 43, "second": 1}
